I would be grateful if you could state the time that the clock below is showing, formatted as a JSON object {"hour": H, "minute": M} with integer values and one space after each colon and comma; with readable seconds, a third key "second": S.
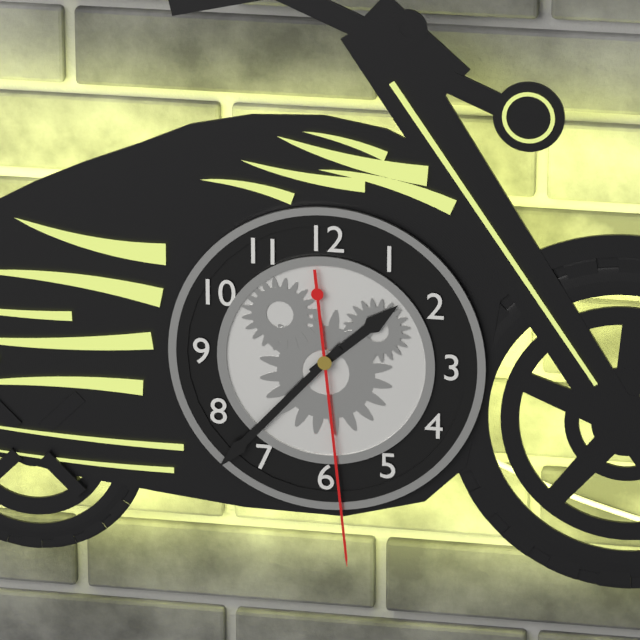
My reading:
{"hour": 1, "minute": 37, "second": 29}
